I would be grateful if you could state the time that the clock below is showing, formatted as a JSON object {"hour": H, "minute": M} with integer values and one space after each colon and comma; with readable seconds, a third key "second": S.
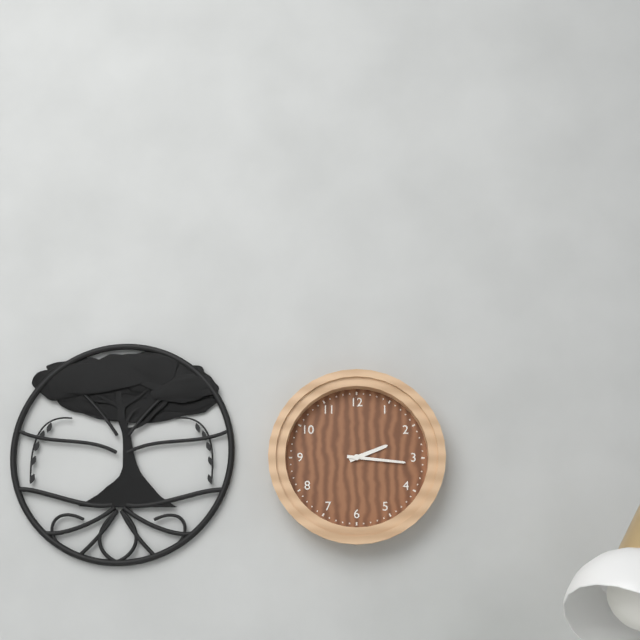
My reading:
{"hour": 2, "minute": 16}
